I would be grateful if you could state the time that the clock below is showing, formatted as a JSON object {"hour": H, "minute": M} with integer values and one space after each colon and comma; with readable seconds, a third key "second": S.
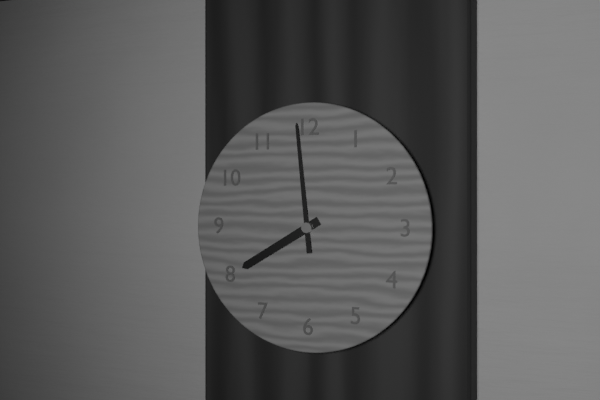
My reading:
{"hour": 7, "minute": 59}
